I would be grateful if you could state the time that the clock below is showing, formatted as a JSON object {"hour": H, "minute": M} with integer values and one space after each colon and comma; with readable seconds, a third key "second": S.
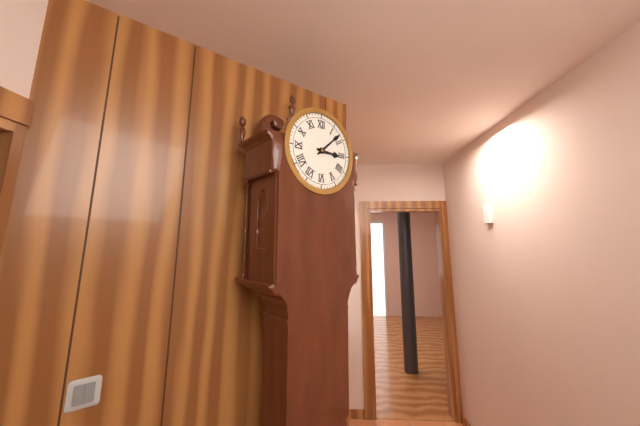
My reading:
{"hour": 3, "minute": 8}
